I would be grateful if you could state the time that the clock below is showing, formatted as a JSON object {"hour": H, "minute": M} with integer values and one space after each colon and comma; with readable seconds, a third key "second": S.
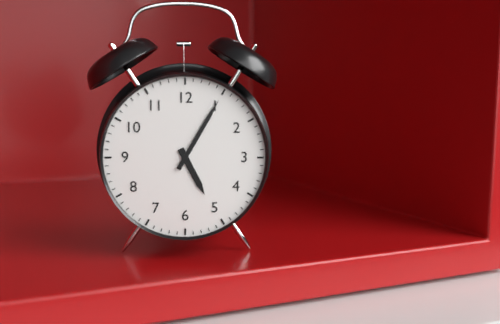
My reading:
{"hour": 5, "minute": 5}
